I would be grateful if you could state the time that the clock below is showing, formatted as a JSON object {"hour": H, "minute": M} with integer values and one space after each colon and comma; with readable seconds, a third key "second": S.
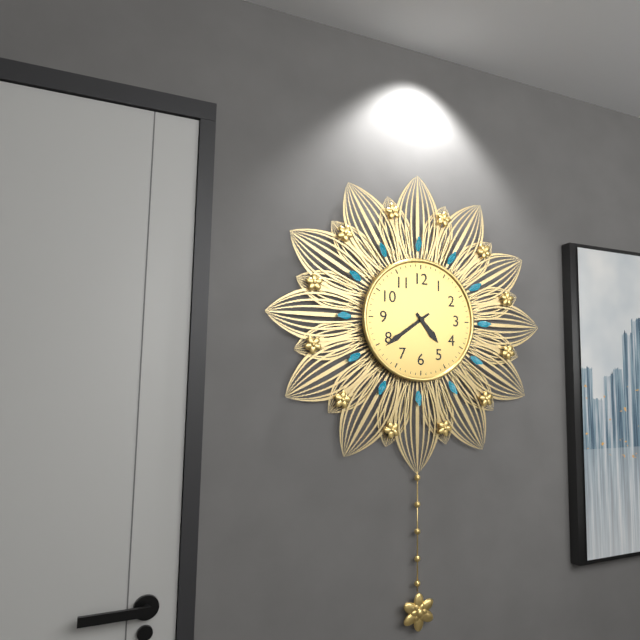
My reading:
{"hour": 4, "minute": 39}
